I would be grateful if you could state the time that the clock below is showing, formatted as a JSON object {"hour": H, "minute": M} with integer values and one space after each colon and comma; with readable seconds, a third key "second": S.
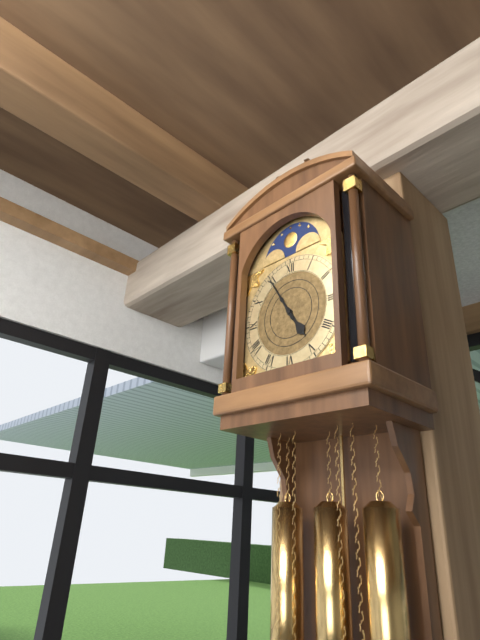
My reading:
{"hour": 4, "minute": 55}
